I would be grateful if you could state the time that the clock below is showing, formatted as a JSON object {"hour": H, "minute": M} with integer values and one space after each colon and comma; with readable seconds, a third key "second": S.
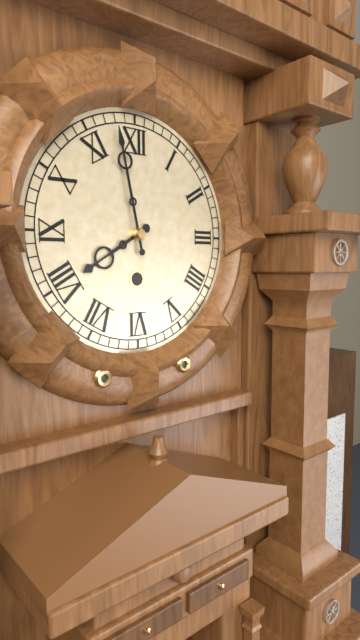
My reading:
{"hour": 7, "minute": 58}
